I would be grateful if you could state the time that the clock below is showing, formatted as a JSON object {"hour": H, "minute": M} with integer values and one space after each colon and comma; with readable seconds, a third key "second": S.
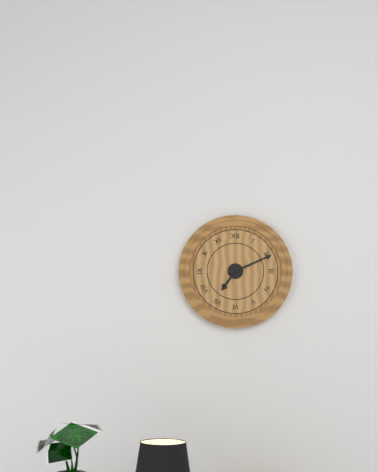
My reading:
{"hour": 7, "minute": 11}
